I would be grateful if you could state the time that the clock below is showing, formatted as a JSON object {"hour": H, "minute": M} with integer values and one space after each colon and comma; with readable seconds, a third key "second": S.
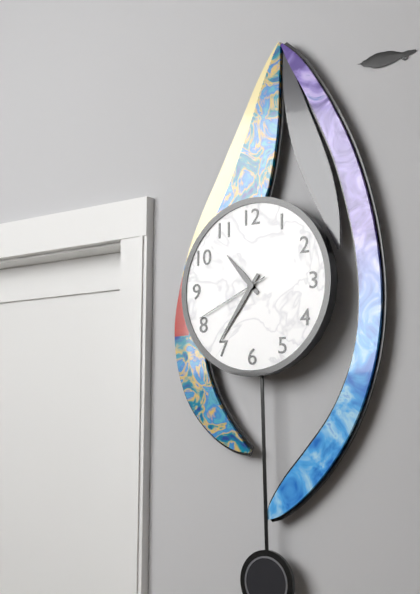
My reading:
{"hour": 10, "minute": 36, "second": 41}
